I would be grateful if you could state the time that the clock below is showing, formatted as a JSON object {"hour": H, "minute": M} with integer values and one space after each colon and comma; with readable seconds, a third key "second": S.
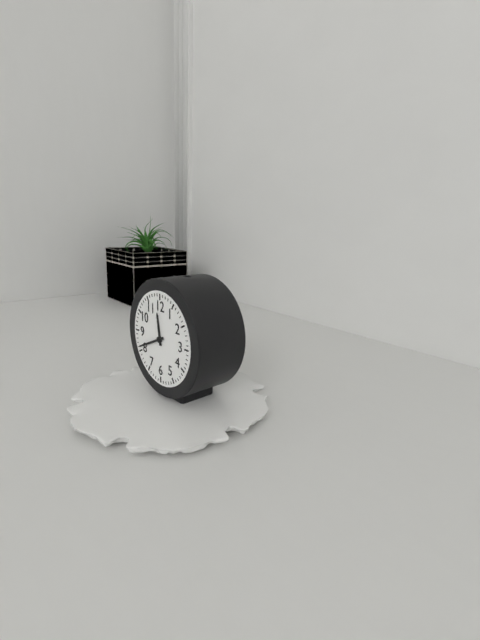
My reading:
{"hour": 11, "minute": 41}
